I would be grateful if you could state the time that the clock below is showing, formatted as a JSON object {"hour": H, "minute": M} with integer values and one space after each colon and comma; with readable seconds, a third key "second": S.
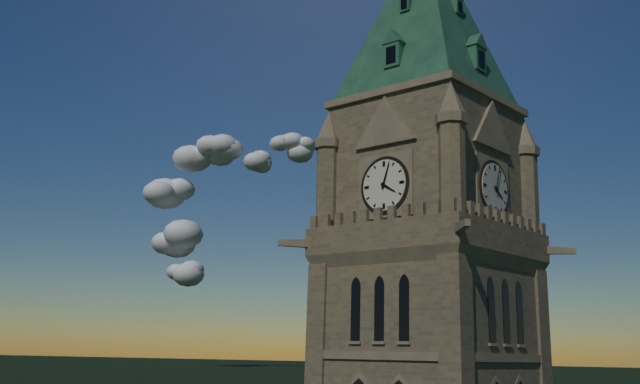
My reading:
{"hour": 4, "minute": 3}
